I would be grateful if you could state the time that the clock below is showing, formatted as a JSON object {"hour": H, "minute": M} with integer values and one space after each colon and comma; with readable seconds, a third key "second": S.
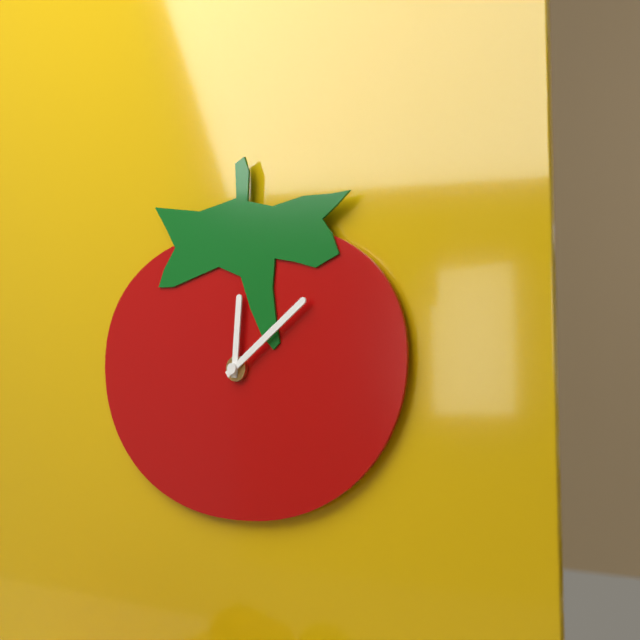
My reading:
{"hour": 12, "minute": 9}
